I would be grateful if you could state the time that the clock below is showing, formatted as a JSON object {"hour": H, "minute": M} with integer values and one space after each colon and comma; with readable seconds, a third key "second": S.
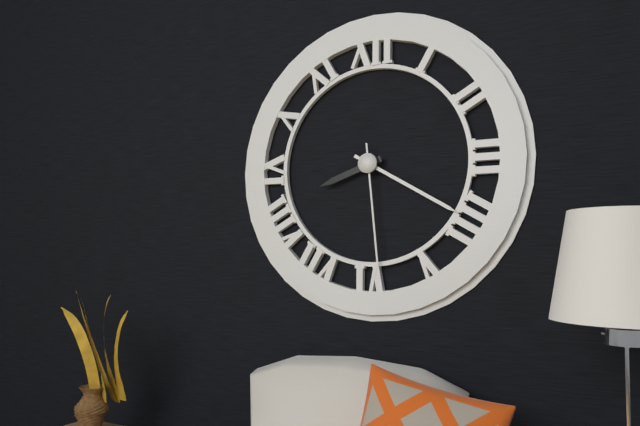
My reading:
{"hour": 8, "minute": 20, "second": 29}
